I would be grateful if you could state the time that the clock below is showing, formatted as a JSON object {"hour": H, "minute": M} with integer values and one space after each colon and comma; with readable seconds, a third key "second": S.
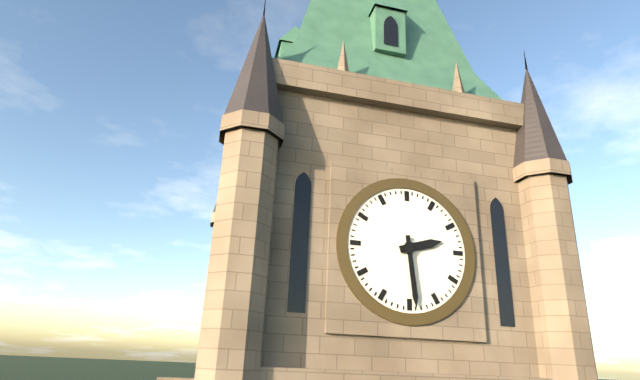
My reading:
{"hour": 2, "minute": 29}
